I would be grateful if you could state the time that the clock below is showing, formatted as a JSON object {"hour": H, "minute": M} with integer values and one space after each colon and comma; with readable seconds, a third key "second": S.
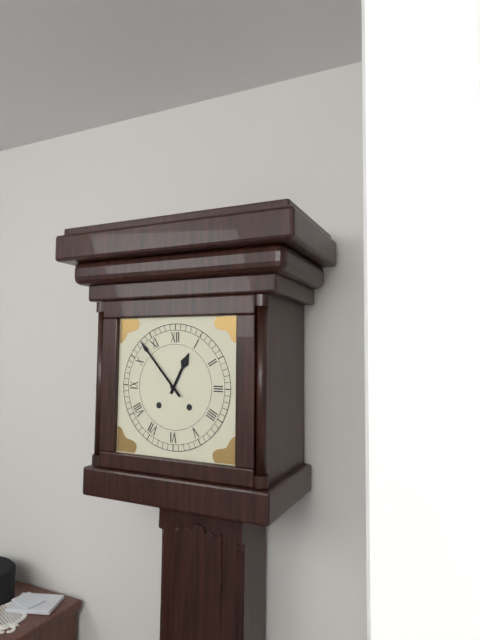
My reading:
{"hour": 12, "minute": 53}
